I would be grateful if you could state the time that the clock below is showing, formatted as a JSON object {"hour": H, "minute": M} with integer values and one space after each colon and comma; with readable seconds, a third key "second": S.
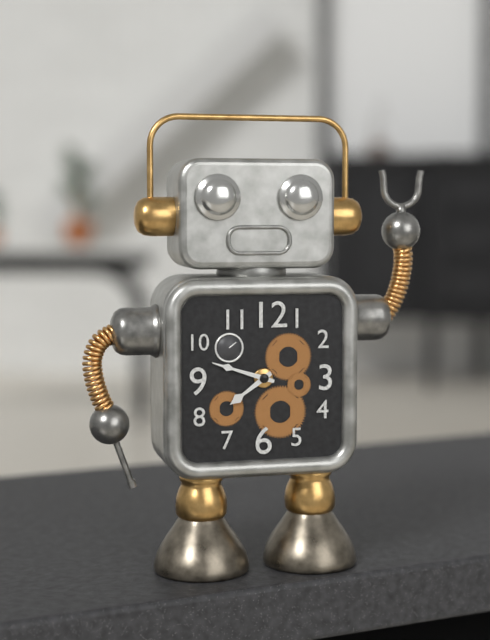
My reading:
{"hour": 7, "minute": 48}
